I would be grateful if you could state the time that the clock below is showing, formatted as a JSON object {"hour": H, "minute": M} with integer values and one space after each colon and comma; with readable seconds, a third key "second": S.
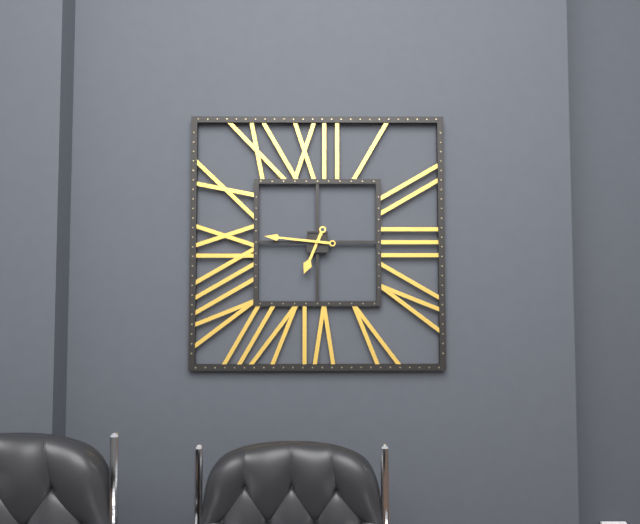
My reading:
{"hour": 6, "minute": 46}
